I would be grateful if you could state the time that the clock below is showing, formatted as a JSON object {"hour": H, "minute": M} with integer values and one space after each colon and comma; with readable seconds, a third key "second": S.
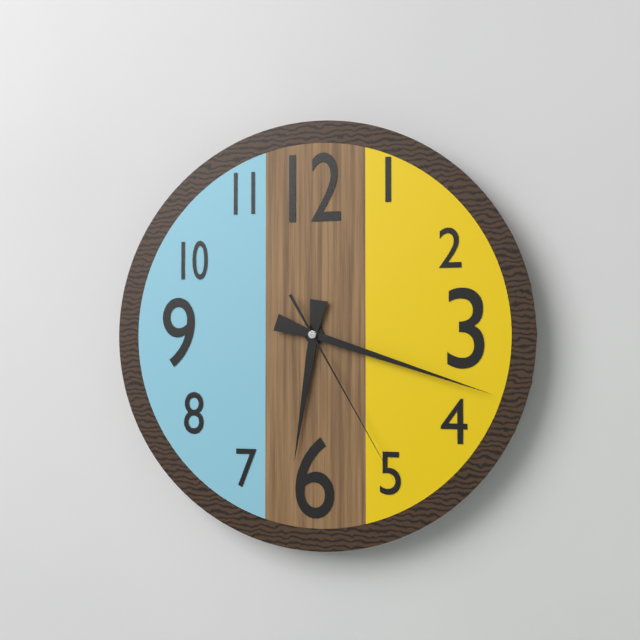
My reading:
{"hour": 6, "minute": 18, "second": 25}
